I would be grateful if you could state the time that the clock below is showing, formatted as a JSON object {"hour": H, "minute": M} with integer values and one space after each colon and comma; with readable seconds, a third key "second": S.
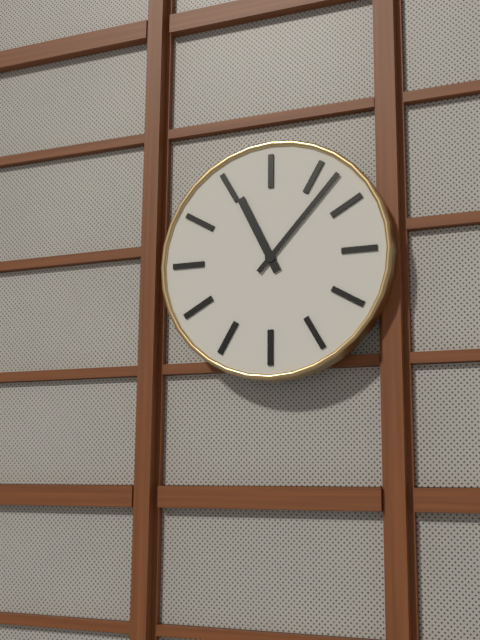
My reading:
{"hour": 11, "minute": 7}
